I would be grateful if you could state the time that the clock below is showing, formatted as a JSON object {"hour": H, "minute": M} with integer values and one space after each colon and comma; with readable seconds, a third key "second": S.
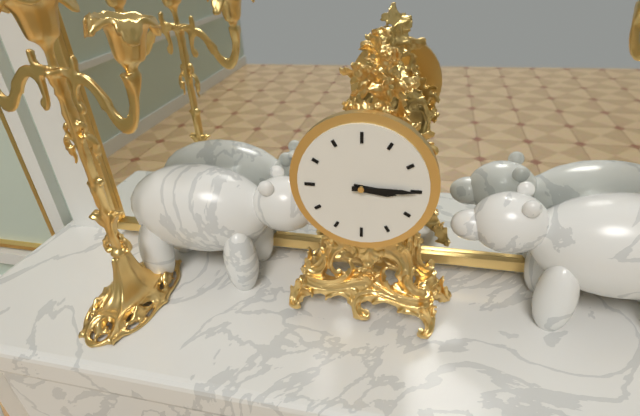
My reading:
{"hour": 3, "minute": 15}
